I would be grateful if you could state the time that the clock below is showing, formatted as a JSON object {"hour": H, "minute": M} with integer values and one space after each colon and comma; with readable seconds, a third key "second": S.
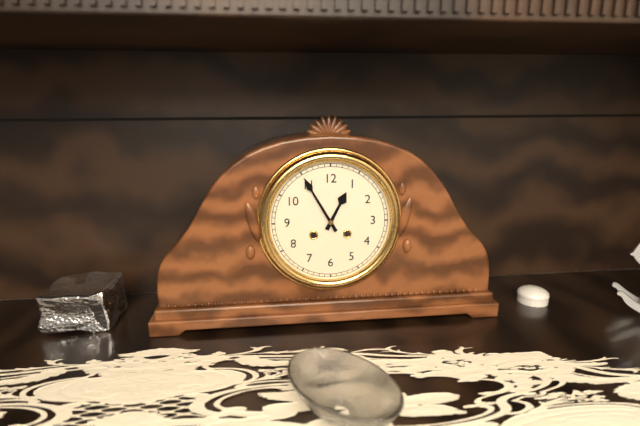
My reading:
{"hour": 12, "minute": 55}
